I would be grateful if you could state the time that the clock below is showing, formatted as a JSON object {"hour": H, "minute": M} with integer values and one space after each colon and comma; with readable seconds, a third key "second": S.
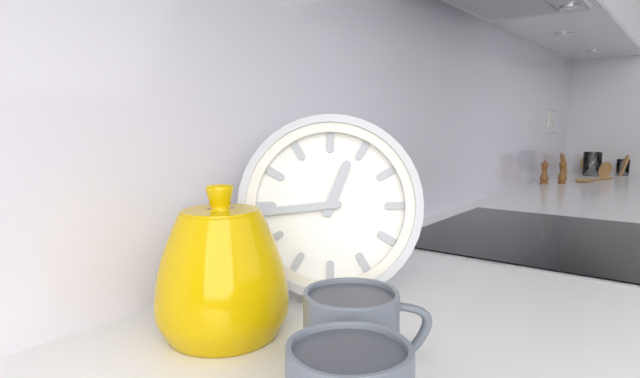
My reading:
{"hour": 12, "minute": 44}
